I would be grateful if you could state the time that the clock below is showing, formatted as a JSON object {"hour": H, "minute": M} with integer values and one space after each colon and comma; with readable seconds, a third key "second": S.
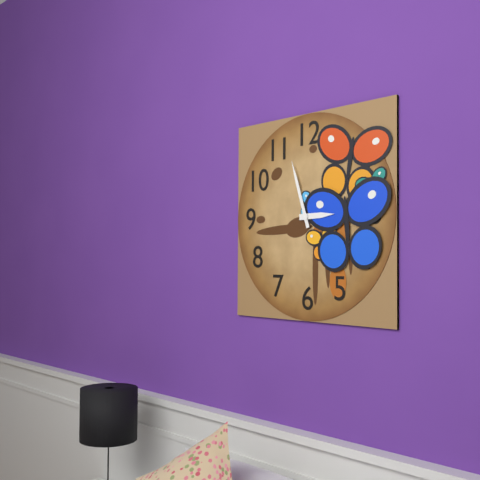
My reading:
{"hour": 2, "minute": 57}
